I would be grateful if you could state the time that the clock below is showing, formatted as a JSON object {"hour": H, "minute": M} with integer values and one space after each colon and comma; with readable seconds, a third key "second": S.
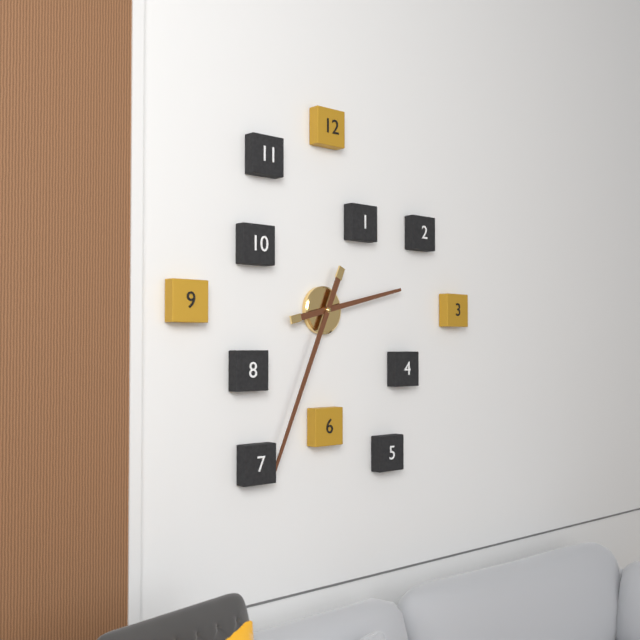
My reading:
{"hour": 2, "minute": 34}
